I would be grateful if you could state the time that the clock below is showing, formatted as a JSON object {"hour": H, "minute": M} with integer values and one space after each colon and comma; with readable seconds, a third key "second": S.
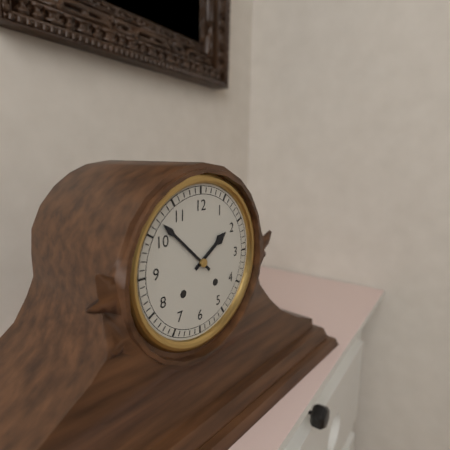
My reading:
{"hour": 1, "minute": 52}
